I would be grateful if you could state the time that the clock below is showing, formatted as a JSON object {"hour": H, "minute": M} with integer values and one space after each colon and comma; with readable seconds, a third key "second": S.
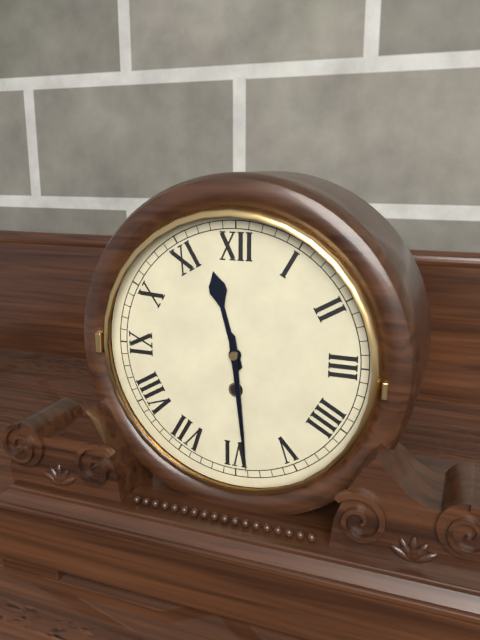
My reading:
{"hour": 11, "minute": 29}
